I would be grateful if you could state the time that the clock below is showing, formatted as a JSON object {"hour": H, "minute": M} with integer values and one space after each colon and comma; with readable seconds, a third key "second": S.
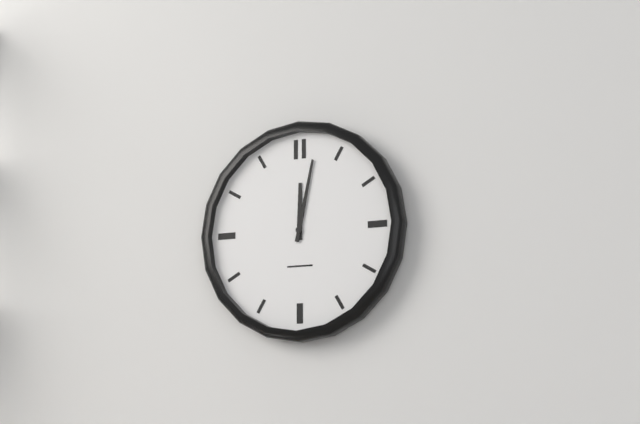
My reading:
{"hour": 12, "minute": 2}
